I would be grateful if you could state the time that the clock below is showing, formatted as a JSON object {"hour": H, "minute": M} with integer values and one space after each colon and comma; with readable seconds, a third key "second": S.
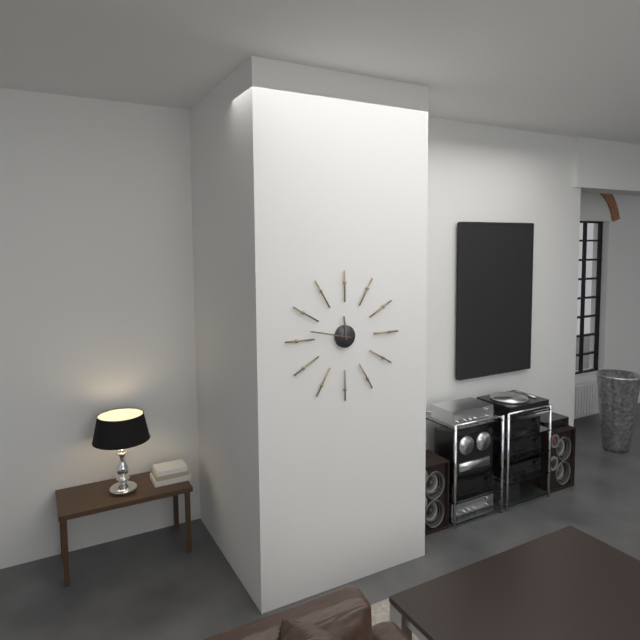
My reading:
{"hour": 11, "minute": 47}
